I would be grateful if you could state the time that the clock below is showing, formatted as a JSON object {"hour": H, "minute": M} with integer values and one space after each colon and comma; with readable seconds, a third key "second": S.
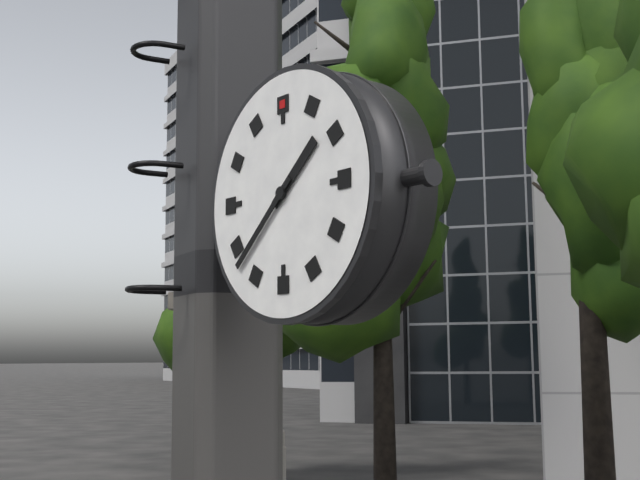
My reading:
{"hour": 1, "minute": 38}
